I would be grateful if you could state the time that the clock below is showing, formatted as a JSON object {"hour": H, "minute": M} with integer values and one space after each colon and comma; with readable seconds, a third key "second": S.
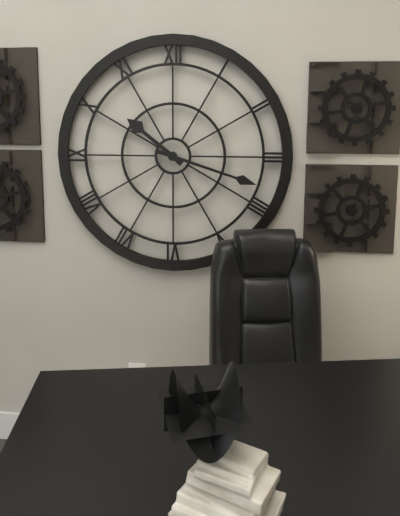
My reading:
{"hour": 10, "minute": 18}
